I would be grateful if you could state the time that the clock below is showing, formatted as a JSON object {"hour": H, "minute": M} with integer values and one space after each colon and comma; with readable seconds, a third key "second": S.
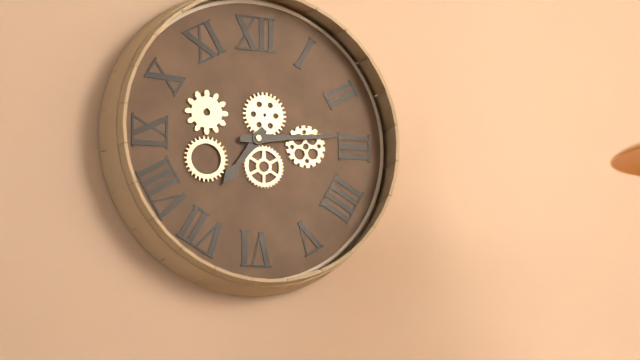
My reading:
{"hour": 7, "minute": 14}
